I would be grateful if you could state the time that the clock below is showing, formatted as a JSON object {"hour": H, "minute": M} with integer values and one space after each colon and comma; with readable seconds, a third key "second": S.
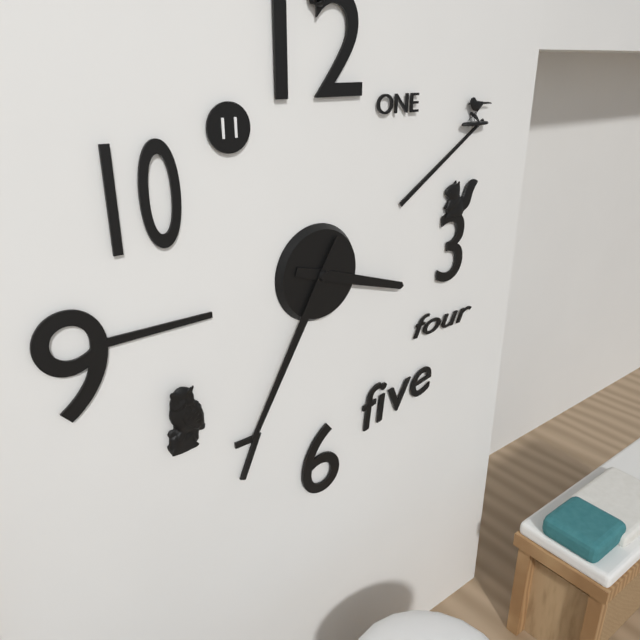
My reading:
{"hour": 3, "minute": 35}
